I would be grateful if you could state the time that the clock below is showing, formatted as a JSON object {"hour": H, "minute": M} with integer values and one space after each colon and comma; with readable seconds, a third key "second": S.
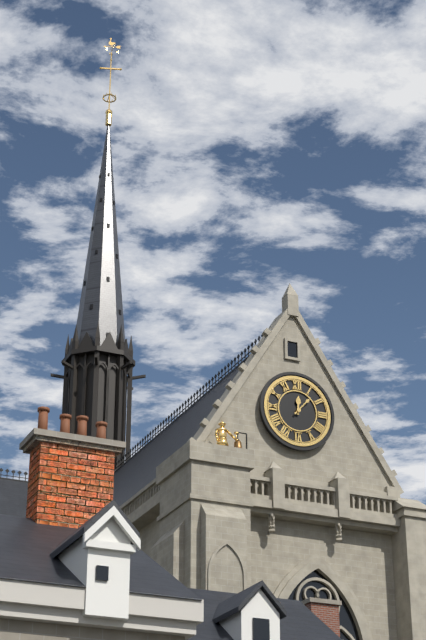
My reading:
{"hour": 12, "minute": 7}
